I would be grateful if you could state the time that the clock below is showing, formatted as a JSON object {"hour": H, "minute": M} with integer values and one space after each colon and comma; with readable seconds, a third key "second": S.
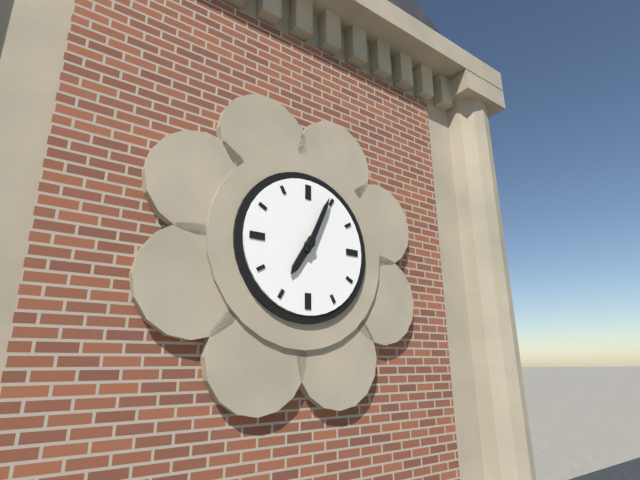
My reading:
{"hour": 7, "minute": 4}
